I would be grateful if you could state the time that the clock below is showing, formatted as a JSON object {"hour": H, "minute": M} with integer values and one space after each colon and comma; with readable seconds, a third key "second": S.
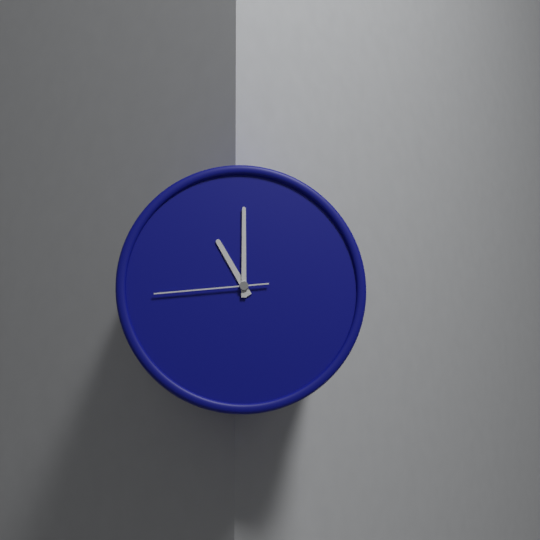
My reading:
{"hour": 11, "minute": 0, "second": 44}
